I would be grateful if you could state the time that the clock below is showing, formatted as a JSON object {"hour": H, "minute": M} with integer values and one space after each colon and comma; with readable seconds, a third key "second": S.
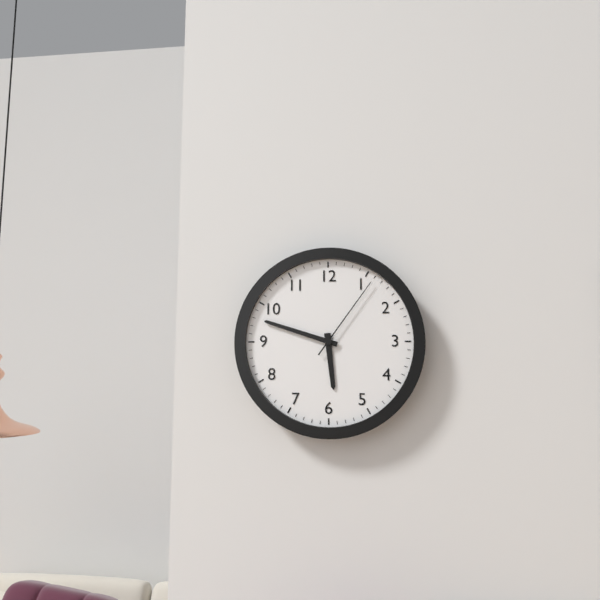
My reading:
{"hour": 5, "minute": 48, "second": 6}
